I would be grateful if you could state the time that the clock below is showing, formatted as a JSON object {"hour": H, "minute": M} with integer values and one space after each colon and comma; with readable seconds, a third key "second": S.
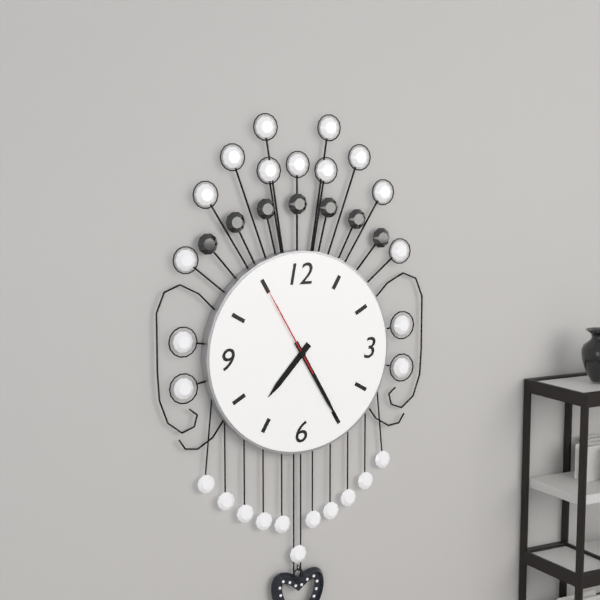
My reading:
{"hour": 7, "minute": 25, "second": 55}
